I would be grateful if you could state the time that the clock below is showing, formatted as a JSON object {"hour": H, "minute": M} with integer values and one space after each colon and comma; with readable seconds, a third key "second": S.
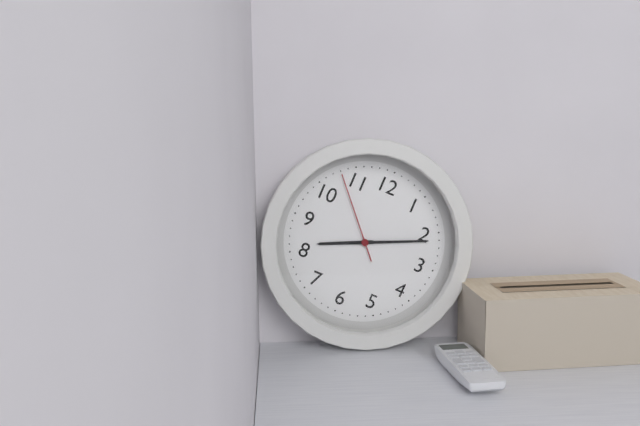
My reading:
{"hour": 8, "minute": 11, "second": 53}
